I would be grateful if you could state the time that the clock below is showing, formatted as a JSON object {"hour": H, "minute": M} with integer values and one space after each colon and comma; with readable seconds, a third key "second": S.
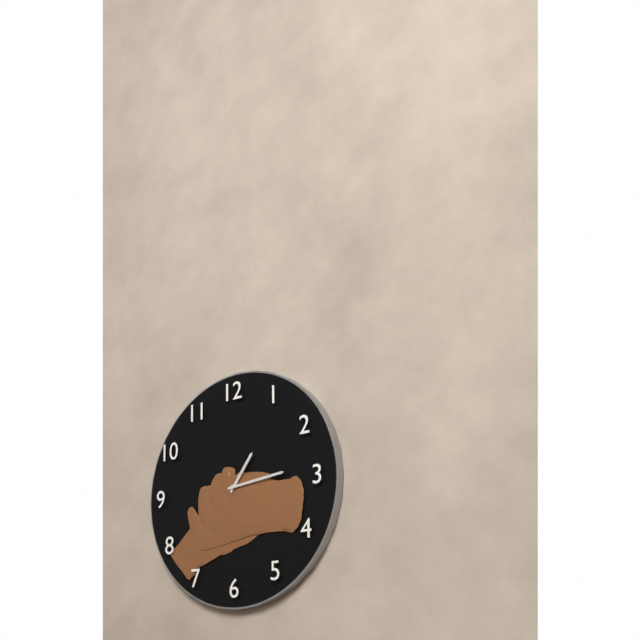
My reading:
{"hour": 1, "minute": 14}
